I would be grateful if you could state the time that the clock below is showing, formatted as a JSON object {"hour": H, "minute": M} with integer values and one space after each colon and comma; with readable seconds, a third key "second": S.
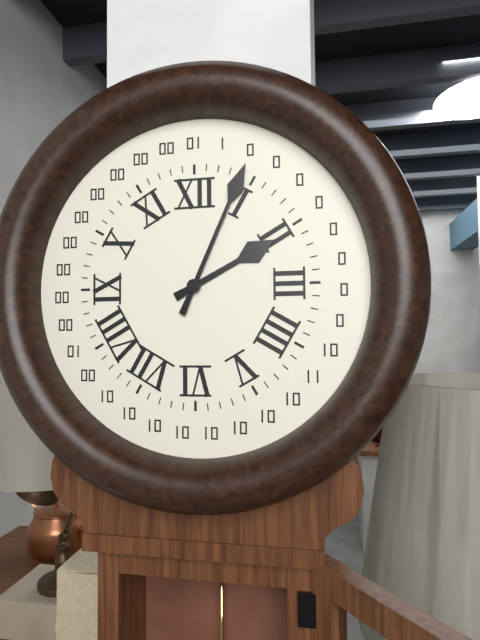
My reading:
{"hour": 2, "minute": 4}
